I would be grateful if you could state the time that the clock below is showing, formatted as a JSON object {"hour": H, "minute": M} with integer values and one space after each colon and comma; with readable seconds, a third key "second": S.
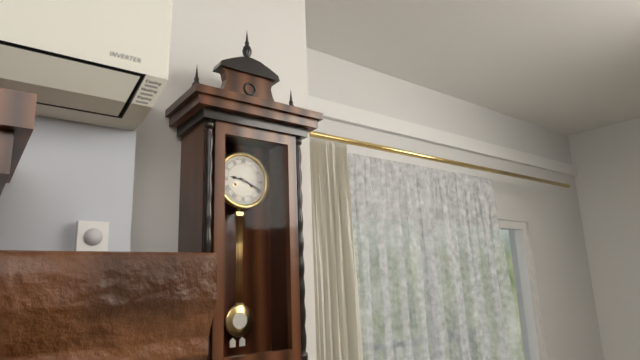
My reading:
{"hour": 9, "minute": 19}
